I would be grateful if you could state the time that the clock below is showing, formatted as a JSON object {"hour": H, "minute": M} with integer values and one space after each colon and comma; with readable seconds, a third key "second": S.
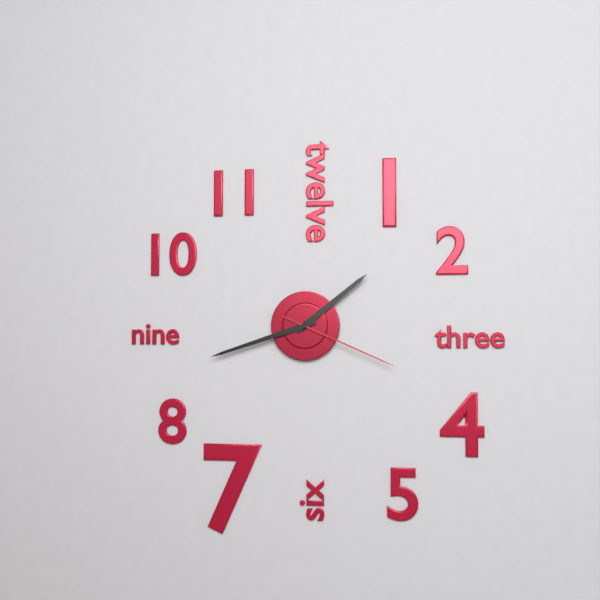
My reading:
{"hour": 1, "minute": 42, "second": 19}
